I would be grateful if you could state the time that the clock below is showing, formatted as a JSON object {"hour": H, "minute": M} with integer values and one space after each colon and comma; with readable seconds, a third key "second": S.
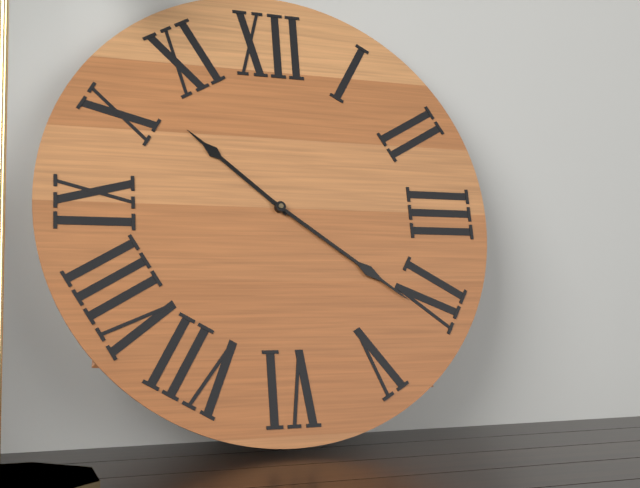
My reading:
{"hour": 10, "minute": 21}
